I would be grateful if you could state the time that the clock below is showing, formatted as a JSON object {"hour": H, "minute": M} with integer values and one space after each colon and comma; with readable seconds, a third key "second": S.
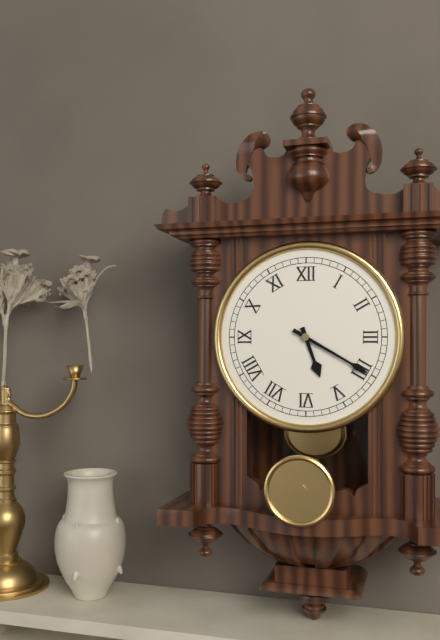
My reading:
{"hour": 5, "minute": 20}
